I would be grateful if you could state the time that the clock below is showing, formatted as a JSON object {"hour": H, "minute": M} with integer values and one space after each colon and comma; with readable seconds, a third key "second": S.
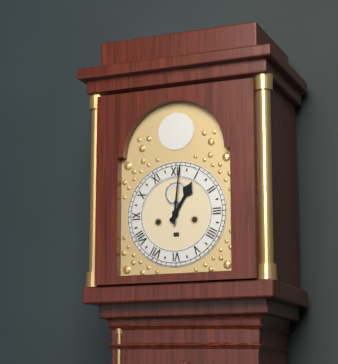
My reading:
{"hour": 1, "minute": 1}
